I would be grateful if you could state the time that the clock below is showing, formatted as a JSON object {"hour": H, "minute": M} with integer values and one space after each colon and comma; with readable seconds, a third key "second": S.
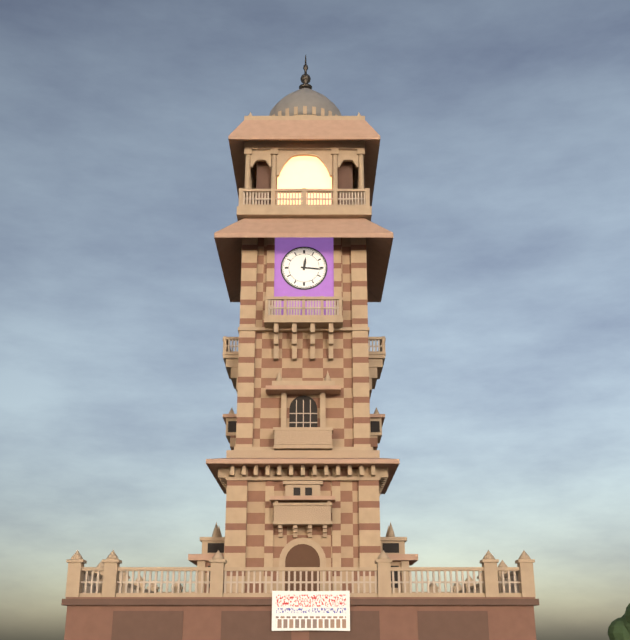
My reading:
{"hour": 12, "minute": 16}
